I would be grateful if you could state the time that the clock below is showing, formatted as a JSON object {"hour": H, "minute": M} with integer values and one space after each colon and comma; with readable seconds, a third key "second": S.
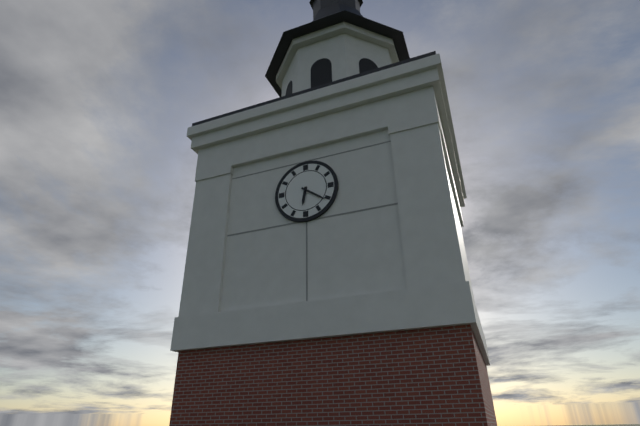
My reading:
{"hour": 6, "minute": 21}
